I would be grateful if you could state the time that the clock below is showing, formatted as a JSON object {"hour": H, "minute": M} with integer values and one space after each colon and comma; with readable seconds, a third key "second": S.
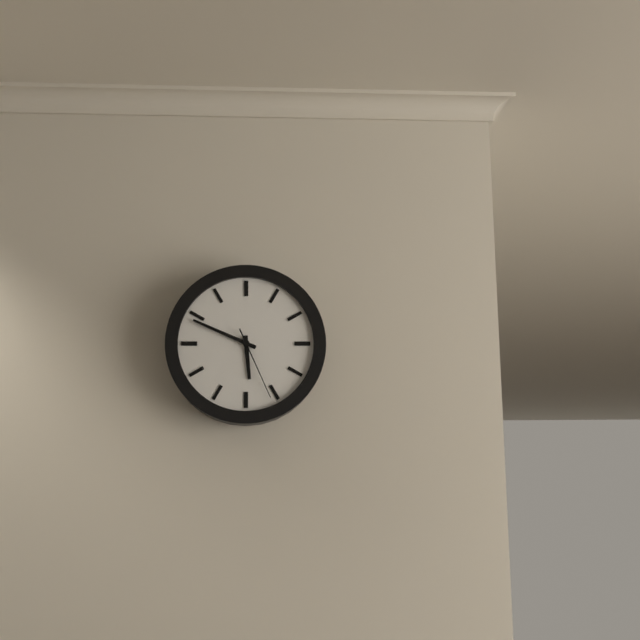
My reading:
{"hour": 5, "minute": 49, "second": 26}
